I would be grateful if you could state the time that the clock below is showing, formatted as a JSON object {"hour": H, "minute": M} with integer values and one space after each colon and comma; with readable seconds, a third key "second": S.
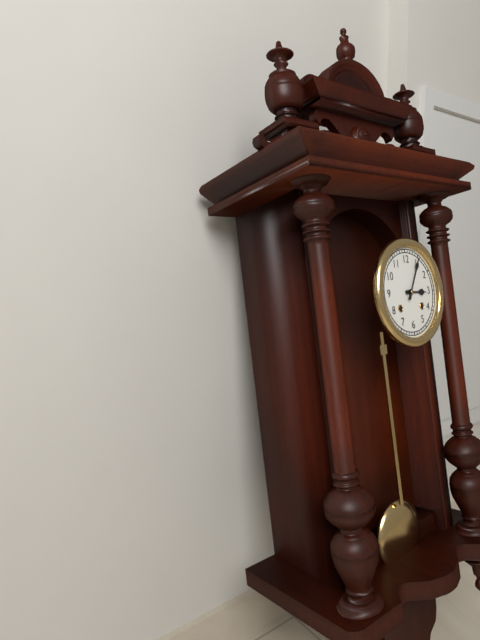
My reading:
{"hour": 3, "minute": 5}
